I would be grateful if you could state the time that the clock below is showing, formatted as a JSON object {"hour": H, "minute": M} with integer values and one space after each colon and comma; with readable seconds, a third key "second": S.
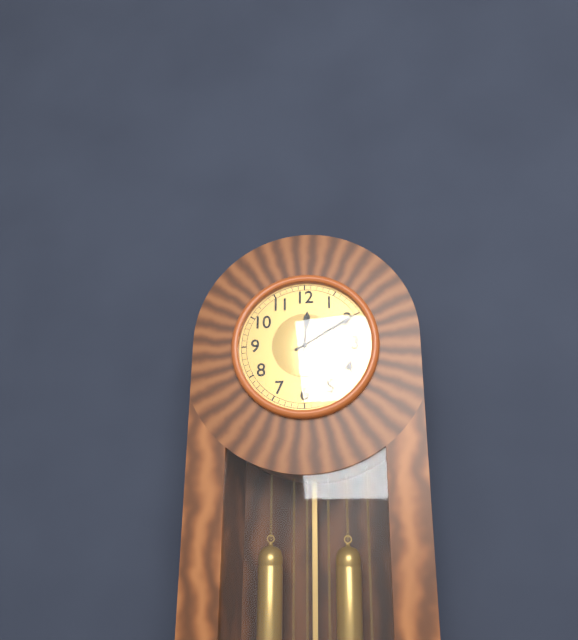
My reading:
{"hour": 12, "minute": 10}
